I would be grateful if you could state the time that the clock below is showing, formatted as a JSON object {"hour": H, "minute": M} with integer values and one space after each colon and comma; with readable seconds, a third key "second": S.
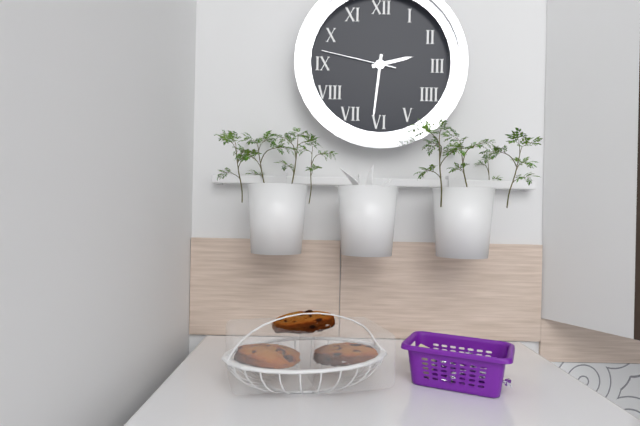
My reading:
{"hour": 2, "minute": 31, "second": 47}
